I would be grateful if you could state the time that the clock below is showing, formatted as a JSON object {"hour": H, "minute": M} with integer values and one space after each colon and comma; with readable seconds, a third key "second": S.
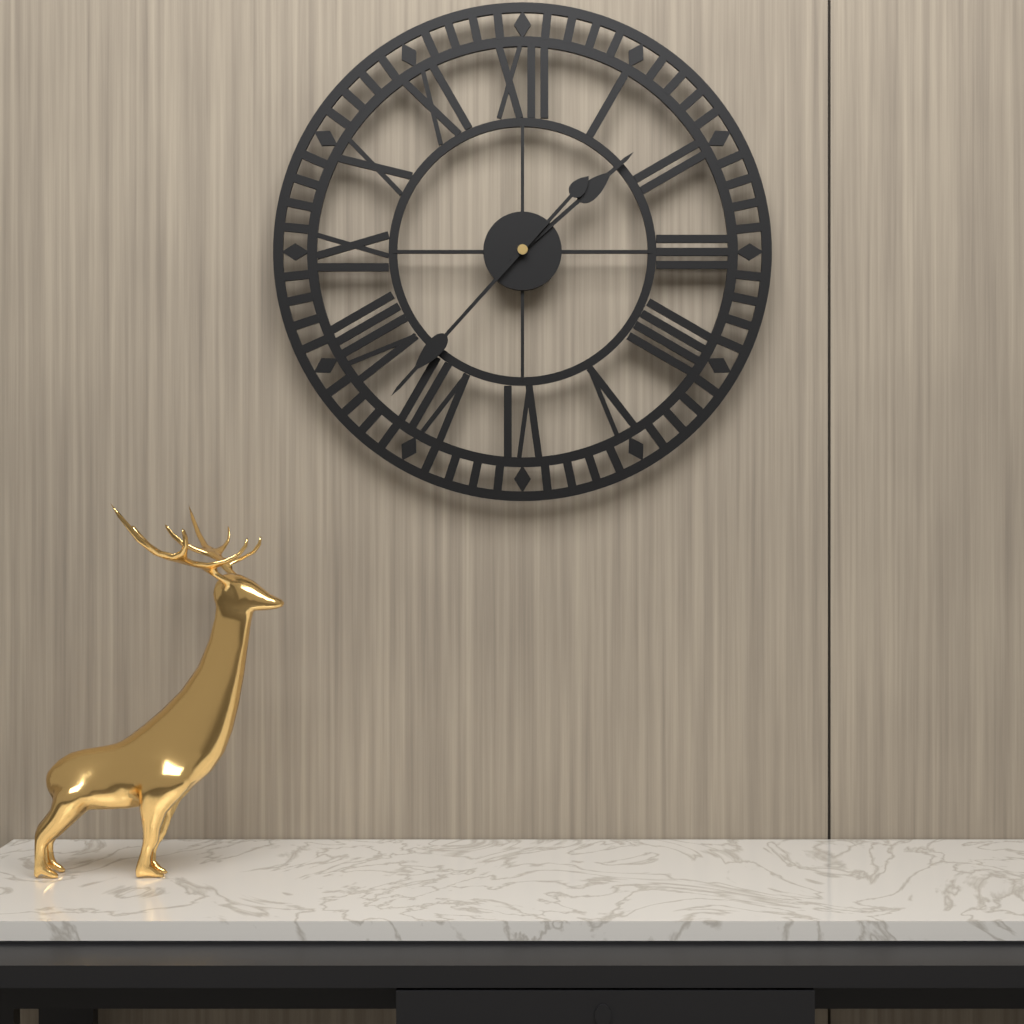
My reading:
{"hour": 1, "minute": 37}
